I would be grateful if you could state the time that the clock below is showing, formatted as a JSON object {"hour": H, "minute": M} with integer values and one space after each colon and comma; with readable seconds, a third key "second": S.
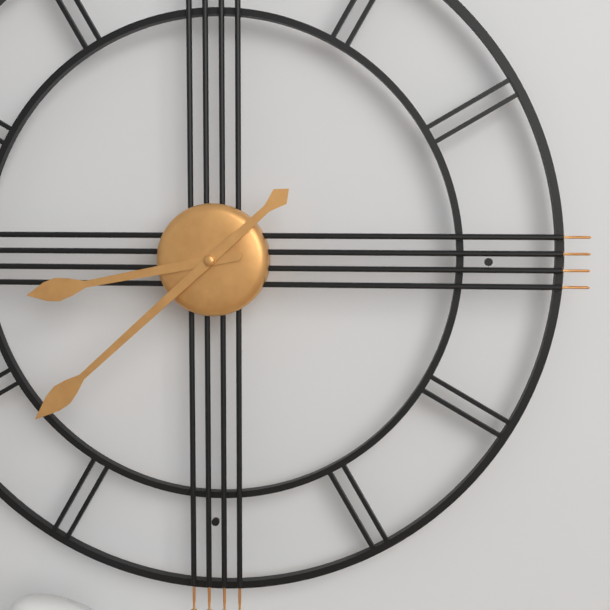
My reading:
{"hour": 8, "minute": 38}
